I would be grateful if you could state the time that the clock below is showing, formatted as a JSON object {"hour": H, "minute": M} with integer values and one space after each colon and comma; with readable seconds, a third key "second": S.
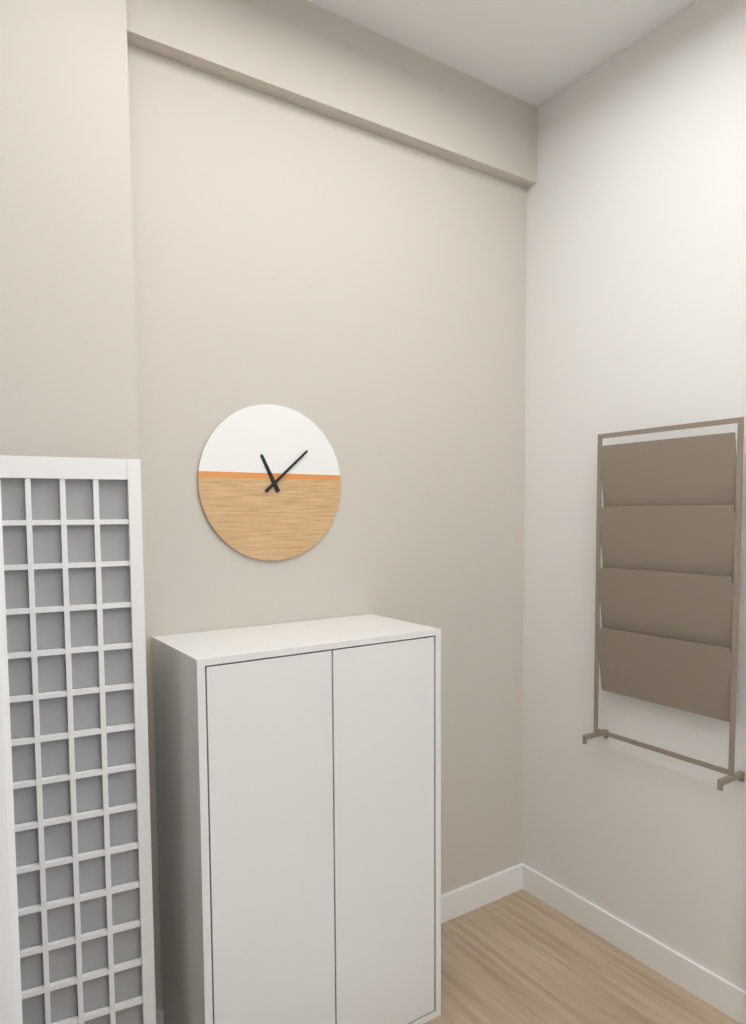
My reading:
{"hour": 11, "minute": 8}
